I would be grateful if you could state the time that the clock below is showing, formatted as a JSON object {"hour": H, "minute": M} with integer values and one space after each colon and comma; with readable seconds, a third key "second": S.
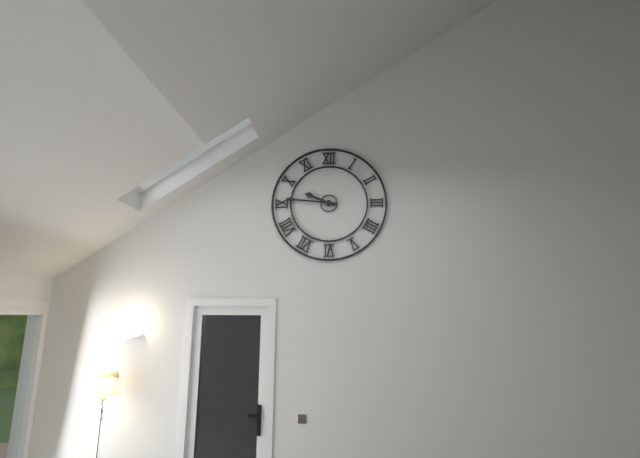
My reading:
{"hour": 9, "minute": 46}
